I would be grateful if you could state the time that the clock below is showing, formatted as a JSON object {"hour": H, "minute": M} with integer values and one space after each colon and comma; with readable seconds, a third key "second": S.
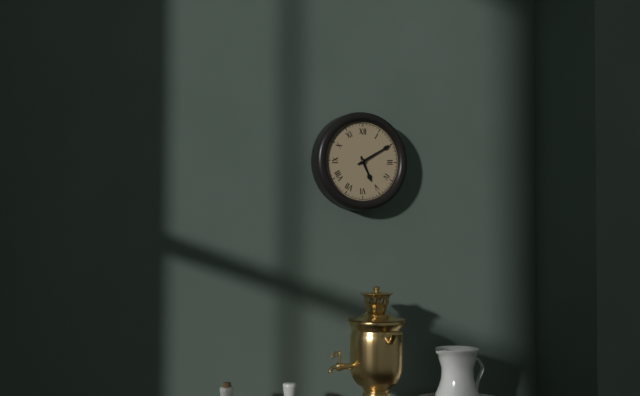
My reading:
{"hour": 5, "minute": 10}
